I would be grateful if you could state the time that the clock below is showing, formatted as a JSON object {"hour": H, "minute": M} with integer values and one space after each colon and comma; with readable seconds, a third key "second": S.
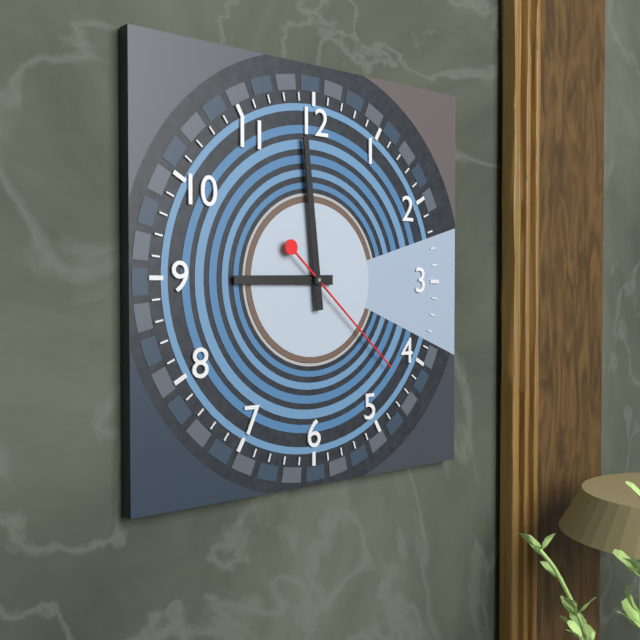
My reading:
{"hour": 8, "minute": 59, "second": 22}
